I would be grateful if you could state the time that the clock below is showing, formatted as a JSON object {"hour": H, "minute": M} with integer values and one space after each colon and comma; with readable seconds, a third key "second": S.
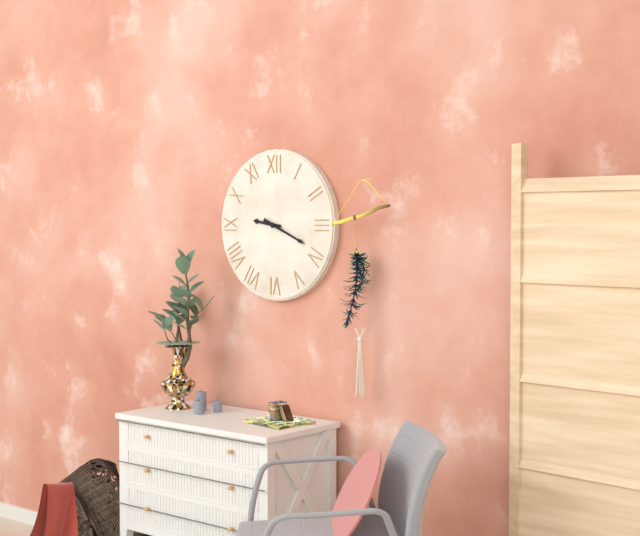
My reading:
{"hour": 9, "minute": 19}
